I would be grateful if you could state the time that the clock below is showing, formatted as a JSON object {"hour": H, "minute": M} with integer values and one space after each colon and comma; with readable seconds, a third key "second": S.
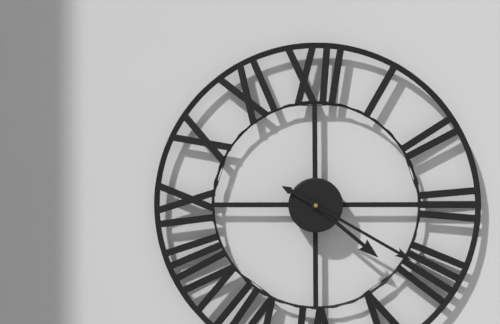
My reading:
{"hour": 4, "minute": 20}
